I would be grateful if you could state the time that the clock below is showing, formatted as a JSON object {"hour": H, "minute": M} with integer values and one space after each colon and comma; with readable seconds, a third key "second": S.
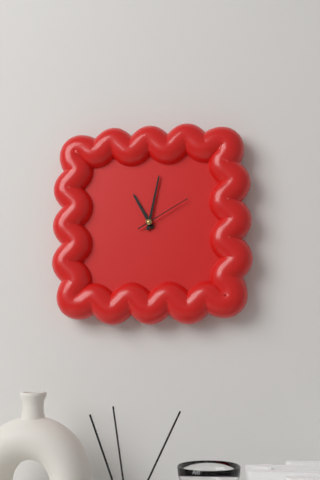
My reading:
{"hour": 11, "minute": 2, "second": 10}
